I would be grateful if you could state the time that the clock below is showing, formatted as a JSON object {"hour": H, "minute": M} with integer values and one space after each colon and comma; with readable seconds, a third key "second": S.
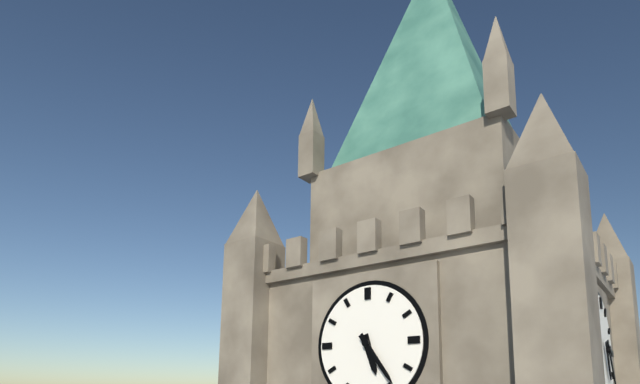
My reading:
{"hour": 5, "minute": 24}
